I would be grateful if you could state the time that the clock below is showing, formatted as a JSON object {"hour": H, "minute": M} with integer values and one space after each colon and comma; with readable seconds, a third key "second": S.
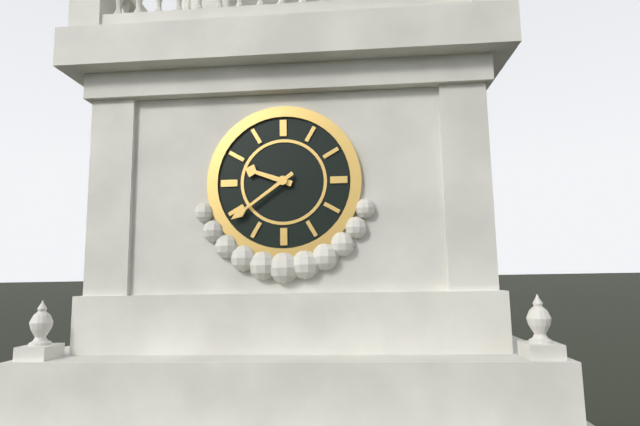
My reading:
{"hour": 9, "minute": 39}
